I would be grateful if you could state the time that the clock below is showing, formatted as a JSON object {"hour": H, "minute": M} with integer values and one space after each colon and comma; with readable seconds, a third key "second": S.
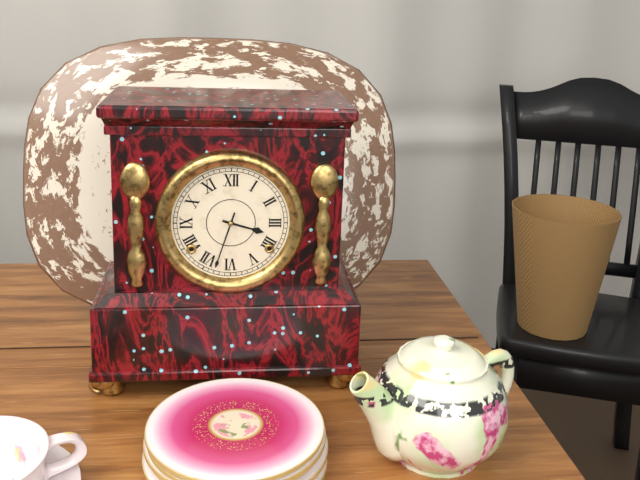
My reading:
{"hour": 3, "minute": 33}
